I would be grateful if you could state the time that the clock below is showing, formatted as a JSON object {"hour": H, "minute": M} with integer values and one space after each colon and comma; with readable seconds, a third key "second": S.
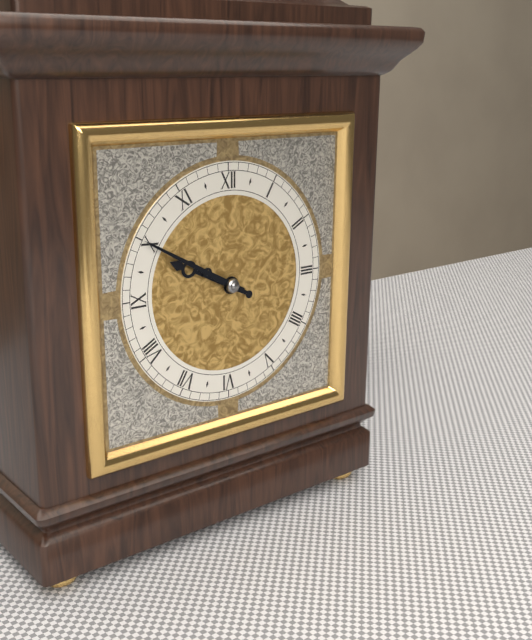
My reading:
{"hour": 9, "minute": 50}
